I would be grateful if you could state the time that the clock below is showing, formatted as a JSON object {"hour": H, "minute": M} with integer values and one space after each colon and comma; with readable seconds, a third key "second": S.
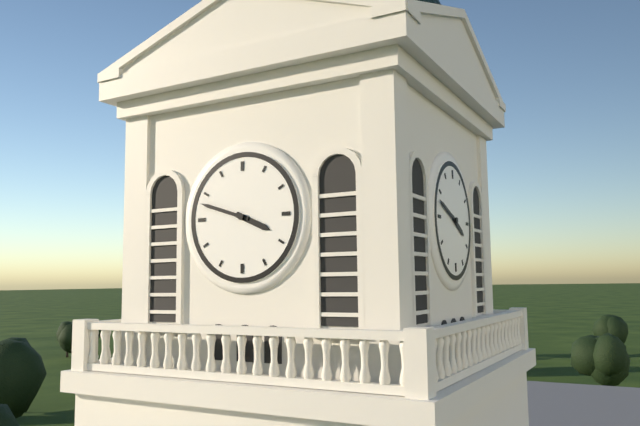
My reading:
{"hour": 3, "minute": 48}
